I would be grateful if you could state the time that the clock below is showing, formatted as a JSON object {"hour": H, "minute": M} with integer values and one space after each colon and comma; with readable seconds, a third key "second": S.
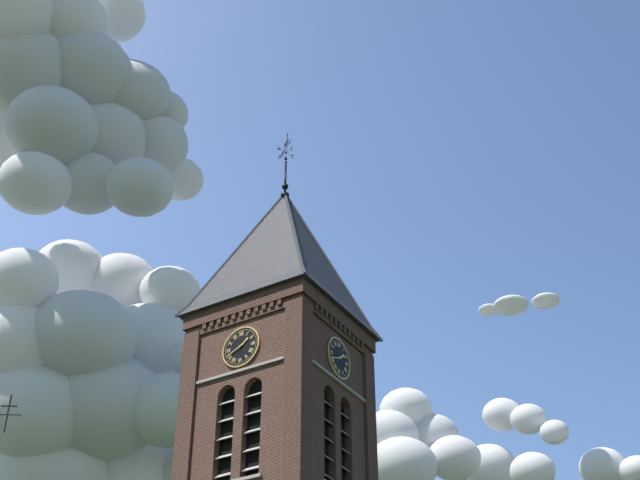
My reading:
{"hour": 1, "minute": 41}
